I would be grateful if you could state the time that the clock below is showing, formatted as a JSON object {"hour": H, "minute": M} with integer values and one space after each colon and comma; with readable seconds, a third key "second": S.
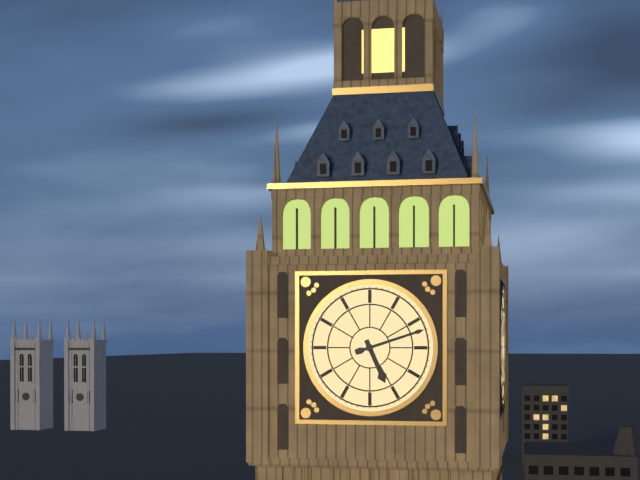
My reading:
{"hour": 5, "minute": 12}
